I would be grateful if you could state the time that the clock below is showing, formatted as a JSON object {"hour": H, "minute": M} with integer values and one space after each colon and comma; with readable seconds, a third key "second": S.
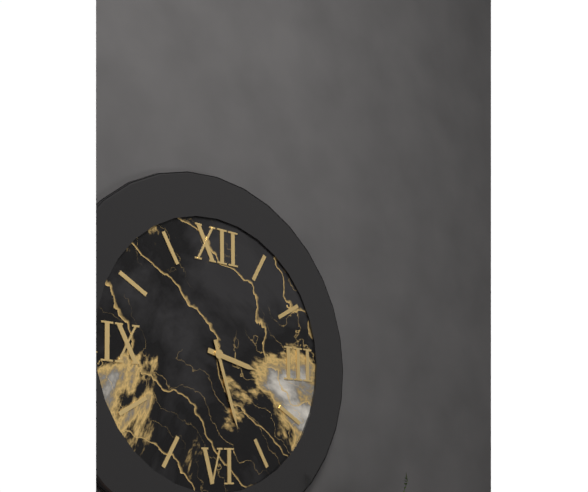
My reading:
{"hour": 3, "minute": 27}
